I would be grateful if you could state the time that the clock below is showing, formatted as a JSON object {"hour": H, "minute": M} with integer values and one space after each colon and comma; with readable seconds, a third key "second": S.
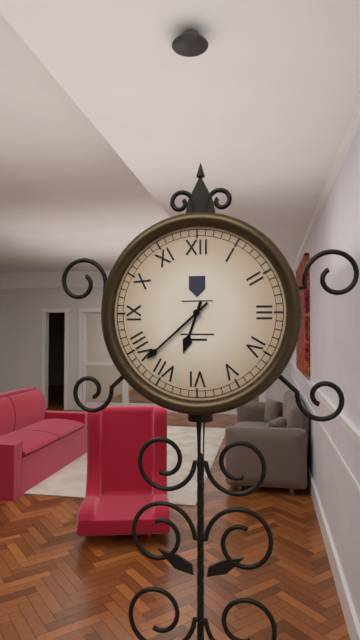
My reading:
{"hour": 6, "minute": 38}
